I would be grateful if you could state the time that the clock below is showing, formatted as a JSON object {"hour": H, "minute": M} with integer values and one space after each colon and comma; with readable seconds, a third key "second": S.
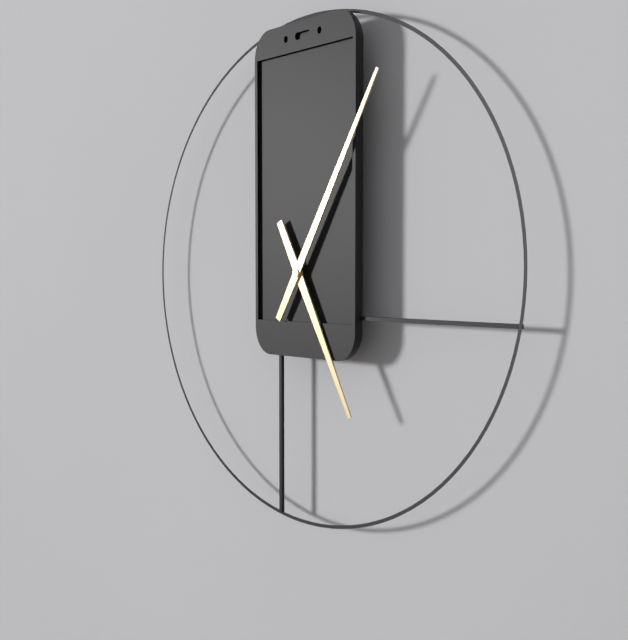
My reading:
{"hour": 5, "minute": 5}
